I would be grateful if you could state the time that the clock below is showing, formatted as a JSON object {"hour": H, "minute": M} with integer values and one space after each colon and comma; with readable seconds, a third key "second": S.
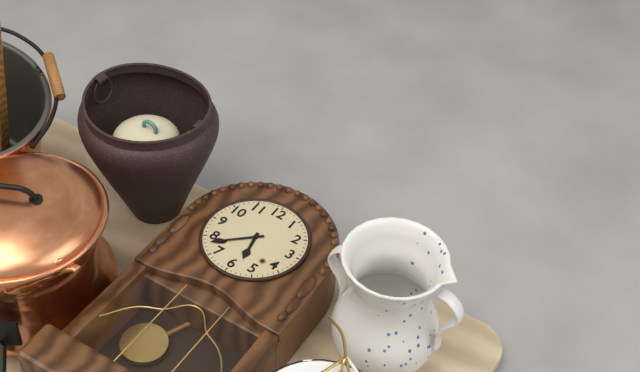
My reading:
{"hour": 5, "minute": 38}
